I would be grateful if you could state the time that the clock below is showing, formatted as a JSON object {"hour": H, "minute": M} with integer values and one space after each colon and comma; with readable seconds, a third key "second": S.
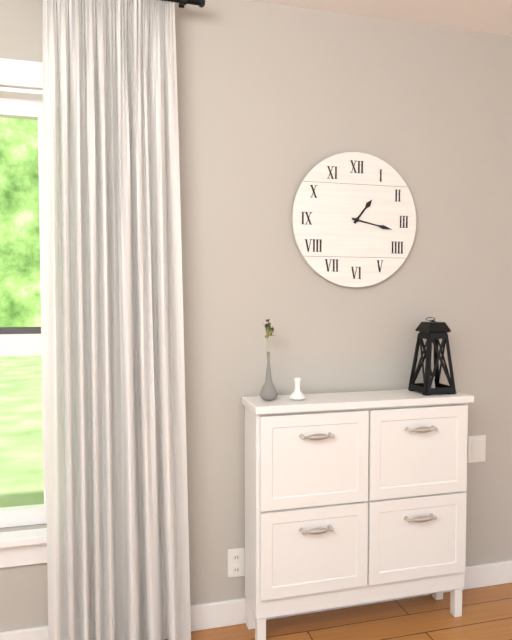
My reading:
{"hour": 1, "minute": 17}
